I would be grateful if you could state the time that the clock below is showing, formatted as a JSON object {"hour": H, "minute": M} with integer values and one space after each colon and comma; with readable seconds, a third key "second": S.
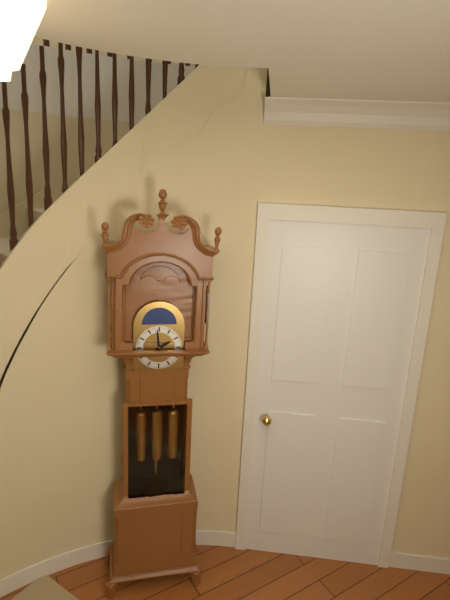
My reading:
{"hour": 1, "minute": 59}
